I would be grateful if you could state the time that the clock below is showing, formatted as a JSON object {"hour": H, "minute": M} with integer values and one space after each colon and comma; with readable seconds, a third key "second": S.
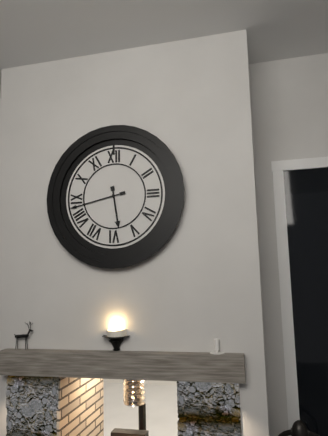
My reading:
{"hour": 5, "minute": 43}
